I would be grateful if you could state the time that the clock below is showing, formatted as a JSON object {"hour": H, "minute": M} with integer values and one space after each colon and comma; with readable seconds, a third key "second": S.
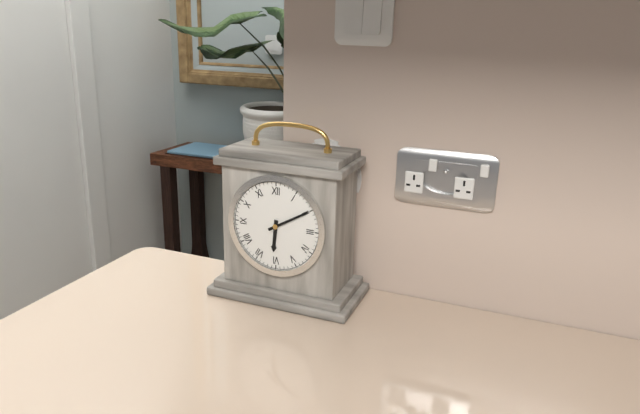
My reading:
{"hour": 6, "minute": 10}
